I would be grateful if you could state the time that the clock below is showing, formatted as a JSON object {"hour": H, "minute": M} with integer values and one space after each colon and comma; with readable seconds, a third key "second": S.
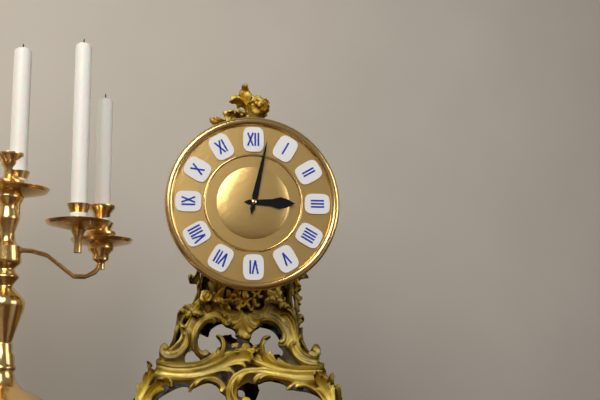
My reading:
{"hour": 3, "minute": 2}
